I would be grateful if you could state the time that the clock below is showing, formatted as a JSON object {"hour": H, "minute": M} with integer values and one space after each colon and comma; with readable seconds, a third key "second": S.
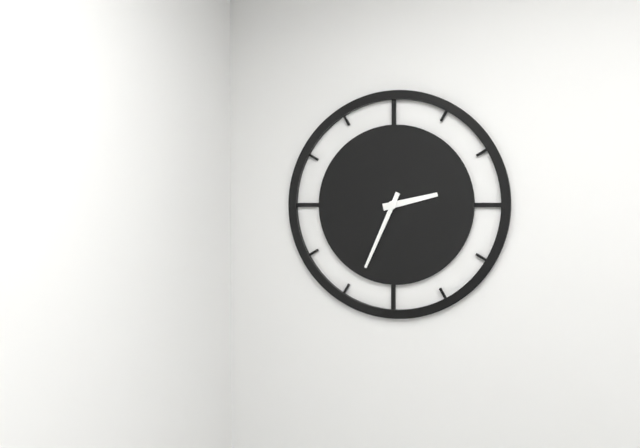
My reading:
{"hour": 2, "minute": 34}
